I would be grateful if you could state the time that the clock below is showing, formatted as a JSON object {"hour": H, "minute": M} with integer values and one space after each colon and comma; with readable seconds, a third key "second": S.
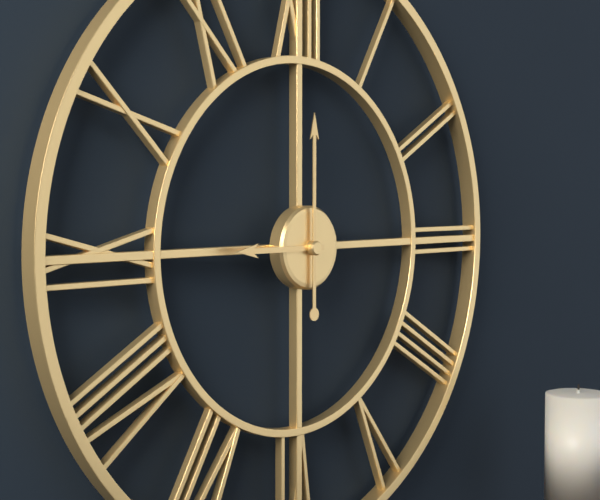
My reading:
{"hour": 9, "minute": 0}
